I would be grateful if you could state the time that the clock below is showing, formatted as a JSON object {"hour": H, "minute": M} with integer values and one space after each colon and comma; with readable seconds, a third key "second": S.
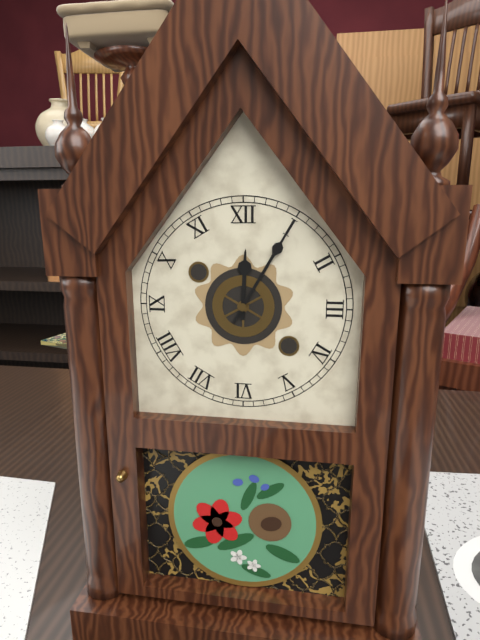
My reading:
{"hour": 12, "minute": 5}
